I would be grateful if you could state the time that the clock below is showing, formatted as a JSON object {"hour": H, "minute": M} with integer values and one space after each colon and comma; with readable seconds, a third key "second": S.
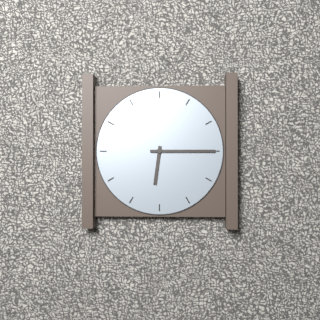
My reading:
{"hour": 6, "minute": 15}
